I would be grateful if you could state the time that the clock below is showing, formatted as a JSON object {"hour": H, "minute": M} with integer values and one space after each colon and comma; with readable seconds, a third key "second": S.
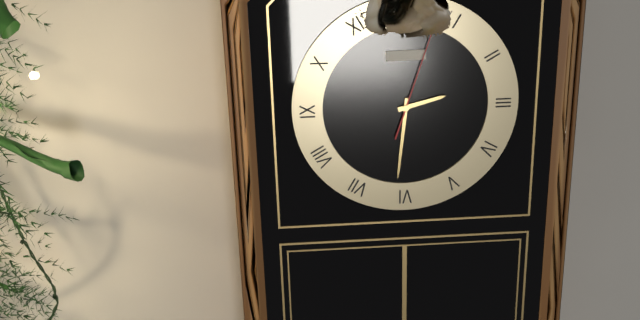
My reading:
{"hour": 2, "minute": 31, "second": 3}
